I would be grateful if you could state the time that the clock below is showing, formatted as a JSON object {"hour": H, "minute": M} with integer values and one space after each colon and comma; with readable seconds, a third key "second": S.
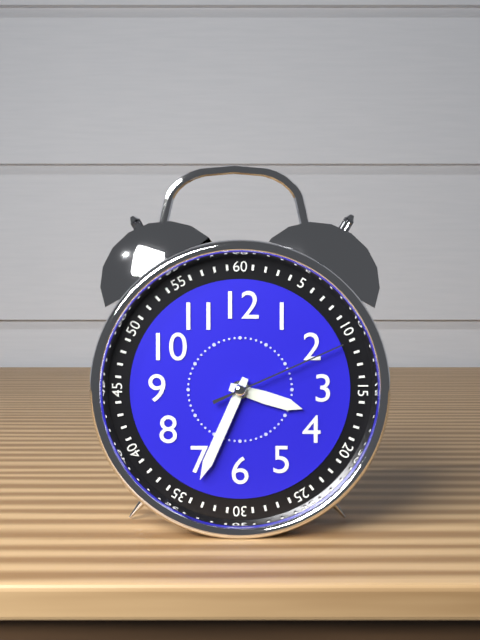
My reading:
{"hour": 3, "minute": 34, "second": 11}
